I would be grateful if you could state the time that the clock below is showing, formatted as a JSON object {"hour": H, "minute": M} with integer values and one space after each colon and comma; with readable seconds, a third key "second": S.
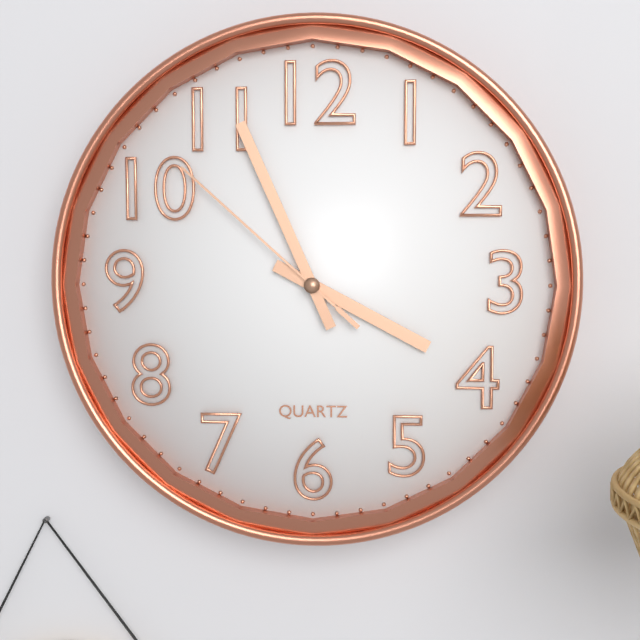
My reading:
{"hour": 3, "minute": 56, "second": 52}
